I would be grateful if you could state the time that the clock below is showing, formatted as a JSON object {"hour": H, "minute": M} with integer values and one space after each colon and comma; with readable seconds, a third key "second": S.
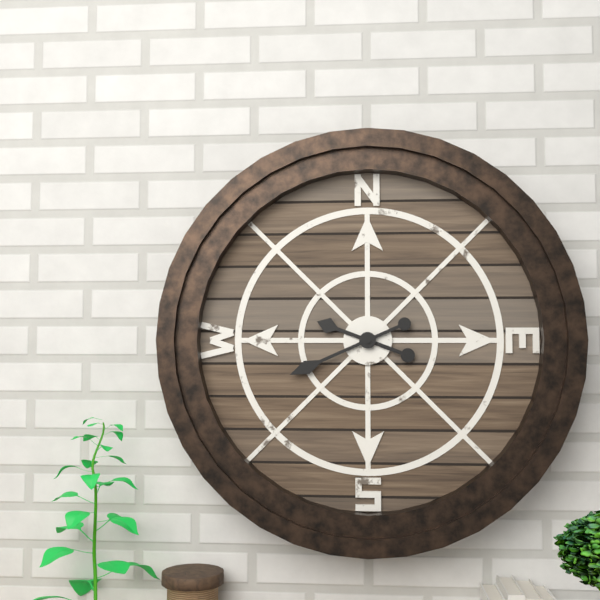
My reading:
{"hour": 9, "minute": 41}
